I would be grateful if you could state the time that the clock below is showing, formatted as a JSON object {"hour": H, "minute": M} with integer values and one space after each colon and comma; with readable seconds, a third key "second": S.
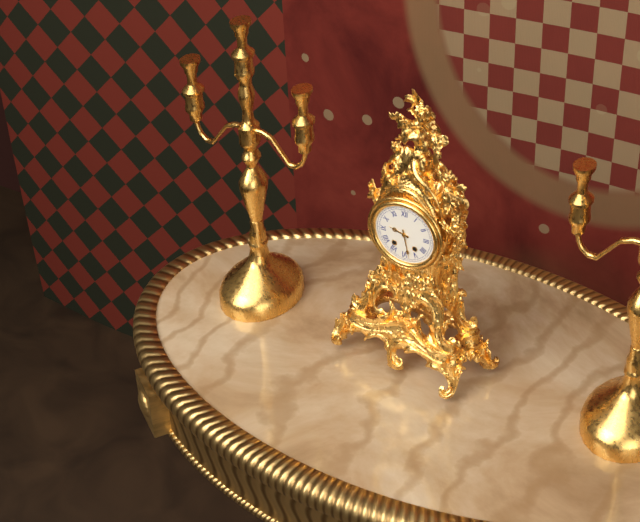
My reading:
{"hour": 9, "minute": 28}
